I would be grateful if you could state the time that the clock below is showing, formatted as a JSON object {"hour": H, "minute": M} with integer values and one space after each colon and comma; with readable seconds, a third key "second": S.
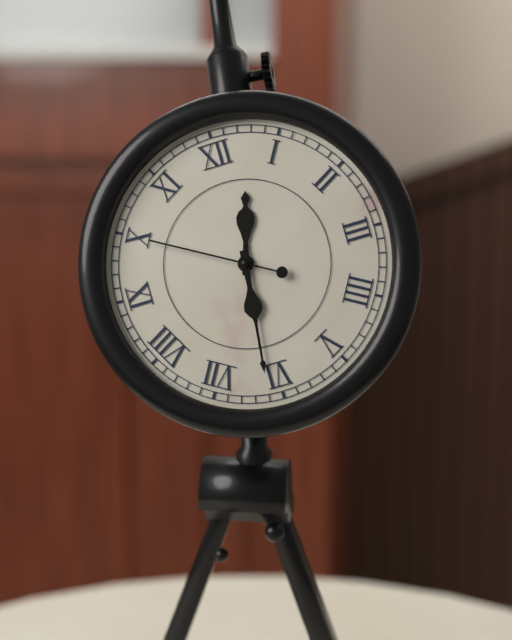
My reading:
{"hour": 12, "minute": 31, "second": 50}
